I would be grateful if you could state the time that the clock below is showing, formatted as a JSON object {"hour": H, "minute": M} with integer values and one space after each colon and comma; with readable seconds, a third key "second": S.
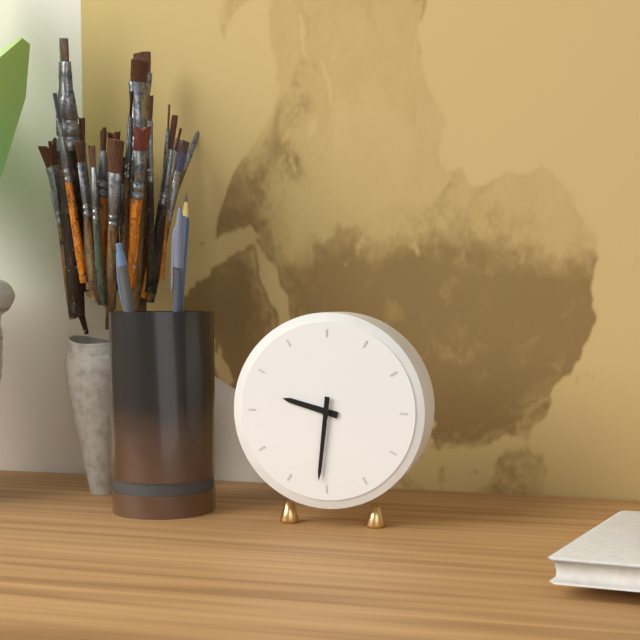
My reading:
{"hour": 9, "minute": 31}
